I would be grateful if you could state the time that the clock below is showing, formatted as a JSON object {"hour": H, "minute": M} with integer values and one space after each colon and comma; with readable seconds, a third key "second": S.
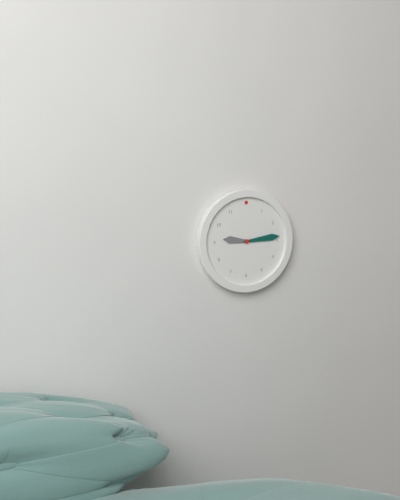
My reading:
{"hour": 9, "minute": 14}
